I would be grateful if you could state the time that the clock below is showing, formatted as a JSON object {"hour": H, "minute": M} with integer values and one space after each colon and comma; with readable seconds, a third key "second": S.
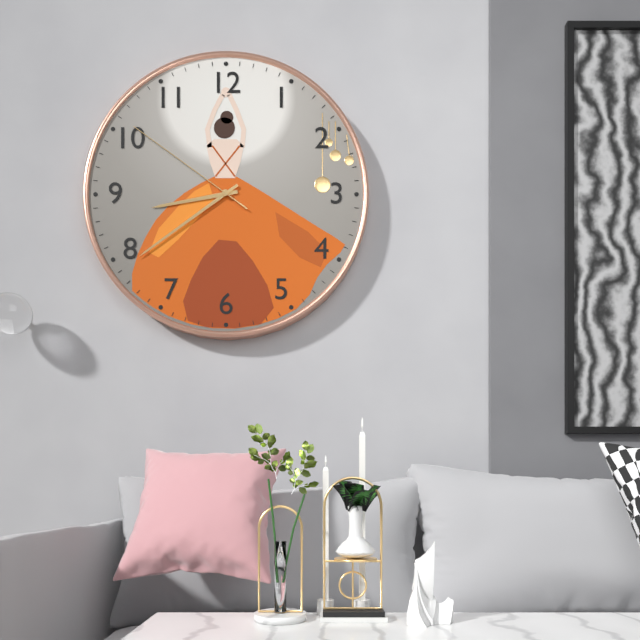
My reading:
{"hour": 8, "minute": 39, "second": 51}
